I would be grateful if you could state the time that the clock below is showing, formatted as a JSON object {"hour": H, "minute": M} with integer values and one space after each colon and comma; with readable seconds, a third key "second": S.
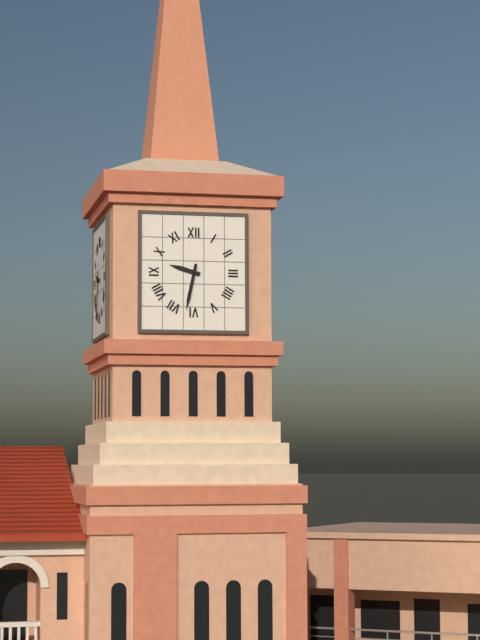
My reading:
{"hour": 9, "minute": 32}
